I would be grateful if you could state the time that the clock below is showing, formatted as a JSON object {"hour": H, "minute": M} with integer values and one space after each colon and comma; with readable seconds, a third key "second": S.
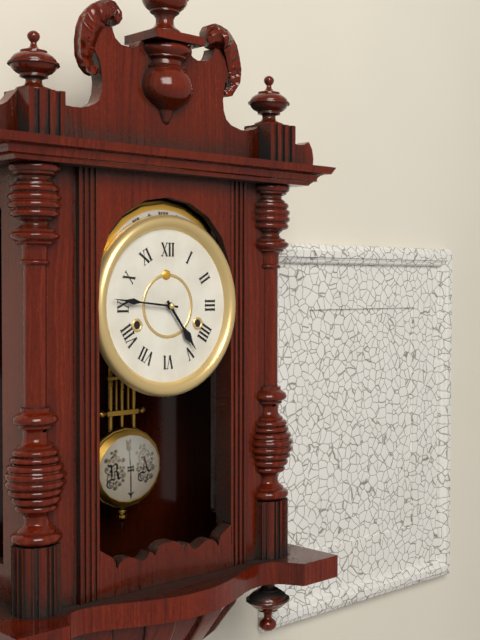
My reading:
{"hour": 4, "minute": 46}
